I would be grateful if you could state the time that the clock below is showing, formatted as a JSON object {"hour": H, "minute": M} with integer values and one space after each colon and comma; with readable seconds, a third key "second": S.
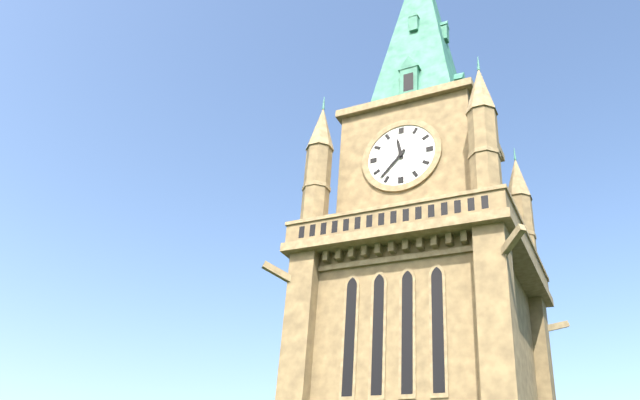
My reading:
{"hour": 11, "minute": 37}
